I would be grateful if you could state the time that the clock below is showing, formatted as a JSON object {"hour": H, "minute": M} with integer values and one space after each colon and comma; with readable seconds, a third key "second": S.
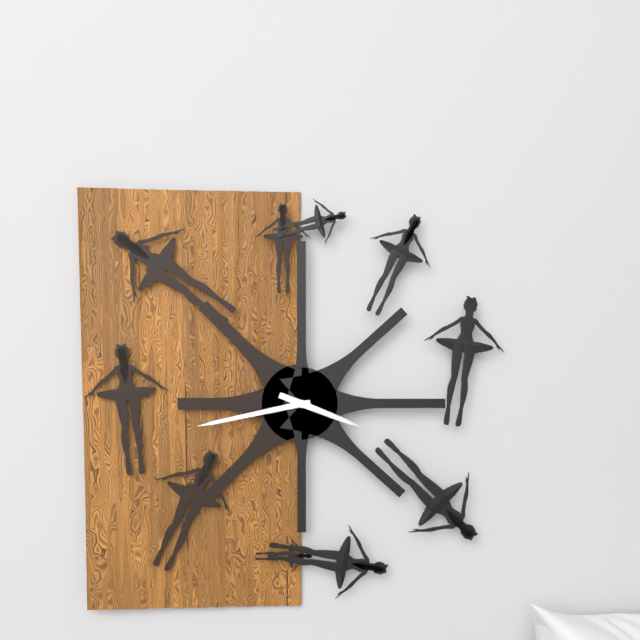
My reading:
{"hour": 3, "minute": 43}
